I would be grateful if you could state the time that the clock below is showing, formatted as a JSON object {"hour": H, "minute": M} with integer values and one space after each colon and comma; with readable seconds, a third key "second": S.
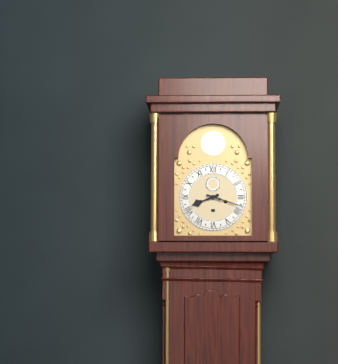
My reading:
{"hour": 8, "minute": 18}
